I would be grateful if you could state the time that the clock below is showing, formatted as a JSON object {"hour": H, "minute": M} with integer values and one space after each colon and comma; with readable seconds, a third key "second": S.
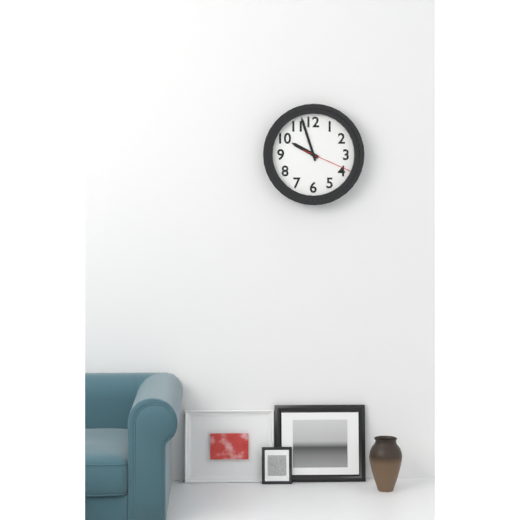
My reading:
{"hour": 9, "minute": 57, "second": 19}
